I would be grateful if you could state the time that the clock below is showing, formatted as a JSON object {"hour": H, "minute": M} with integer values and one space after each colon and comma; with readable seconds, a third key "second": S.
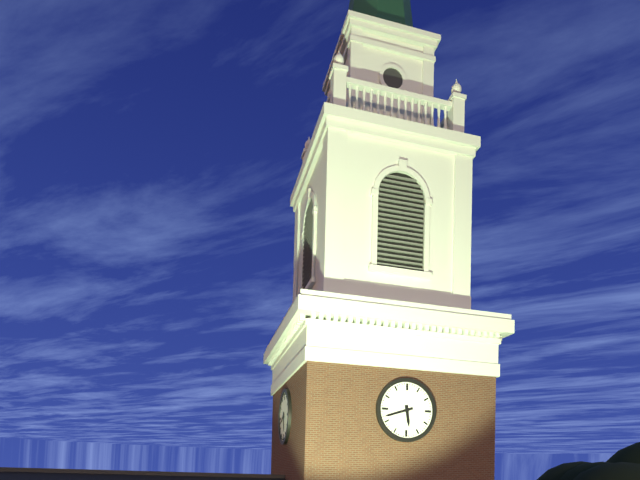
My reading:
{"hour": 5, "minute": 42}
